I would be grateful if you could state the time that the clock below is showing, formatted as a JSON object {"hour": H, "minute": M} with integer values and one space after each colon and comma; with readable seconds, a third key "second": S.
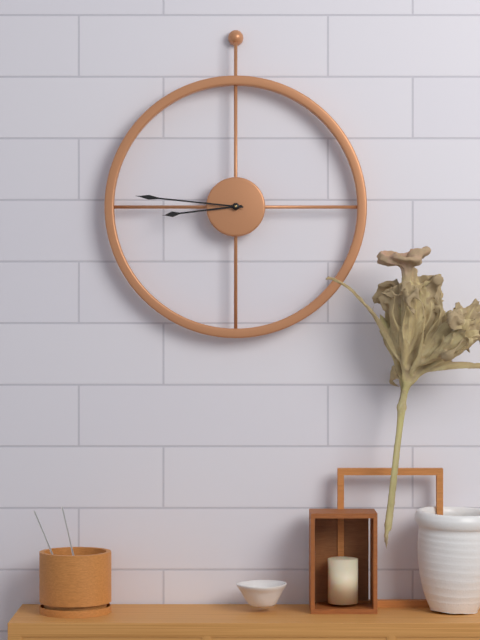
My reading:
{"hour": 8, "minute": 46}
